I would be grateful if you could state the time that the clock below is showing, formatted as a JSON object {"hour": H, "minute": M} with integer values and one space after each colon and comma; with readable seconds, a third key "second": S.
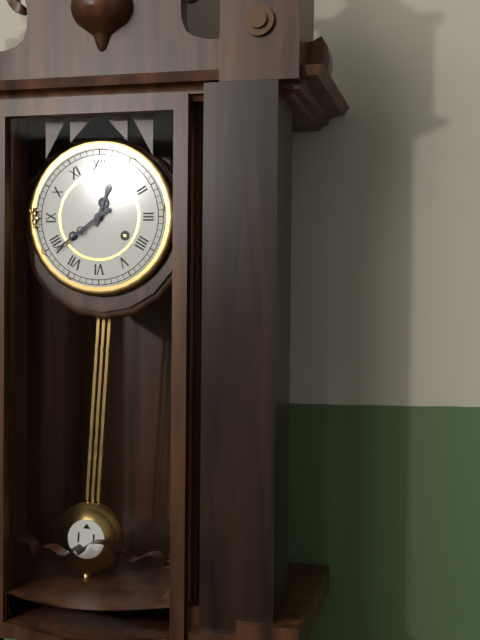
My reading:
{"hour": 12, "minute": 39}
